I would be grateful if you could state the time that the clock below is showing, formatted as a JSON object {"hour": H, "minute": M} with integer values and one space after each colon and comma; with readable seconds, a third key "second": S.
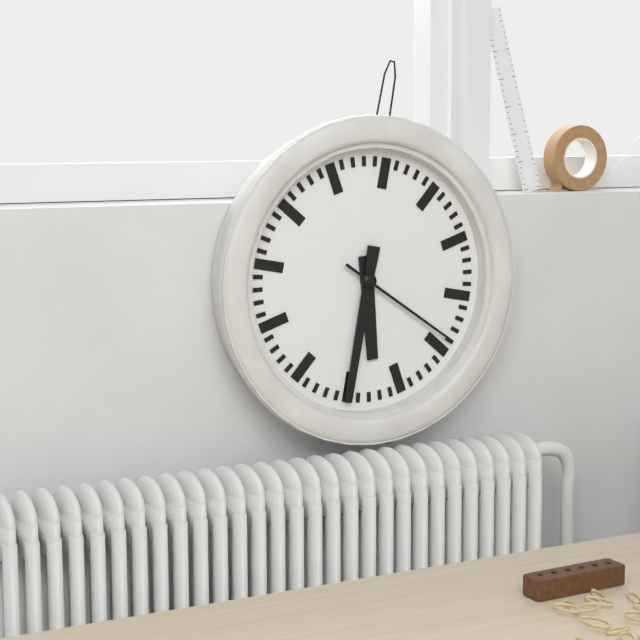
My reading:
{"hour": 5, "minute": 30, "second": 19}
